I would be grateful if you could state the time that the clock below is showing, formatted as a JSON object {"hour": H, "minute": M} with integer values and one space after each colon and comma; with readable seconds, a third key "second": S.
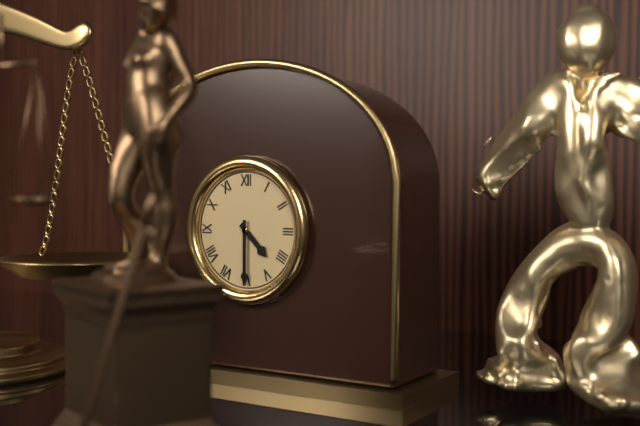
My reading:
{"hour": 4, "minute": 30}
